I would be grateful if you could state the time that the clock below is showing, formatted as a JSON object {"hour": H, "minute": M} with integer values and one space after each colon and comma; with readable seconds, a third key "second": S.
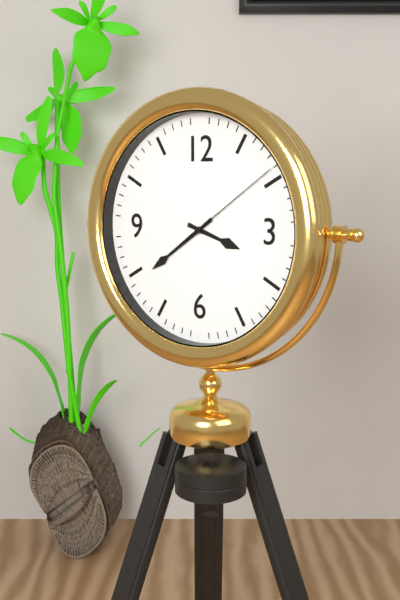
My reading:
{"hour": 3, "minute": 39, "second": 9}
